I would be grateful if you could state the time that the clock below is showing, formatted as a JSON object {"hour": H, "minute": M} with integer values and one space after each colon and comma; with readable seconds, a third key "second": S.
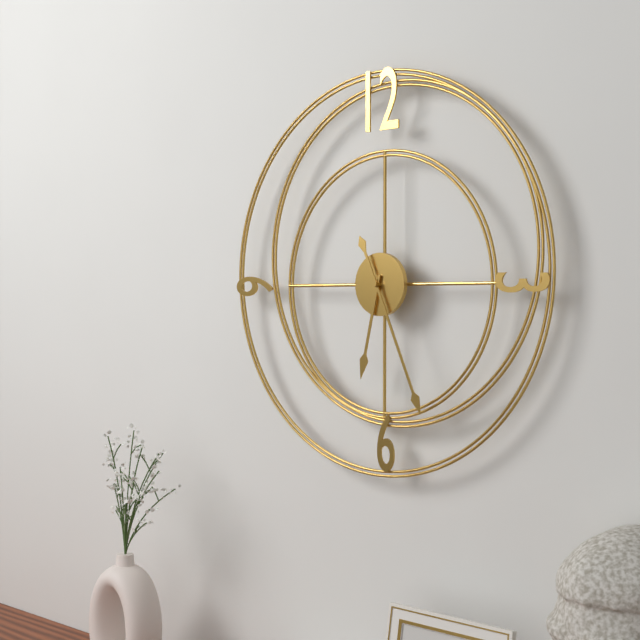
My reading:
{"hour": 6, "minute": 26}
